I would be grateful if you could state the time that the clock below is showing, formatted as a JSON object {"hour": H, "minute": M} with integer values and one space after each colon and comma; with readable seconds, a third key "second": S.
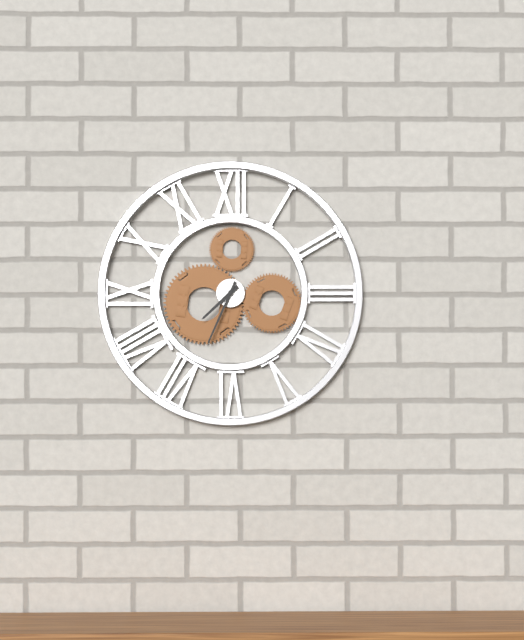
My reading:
{"hour": 7, "minute": 34}
